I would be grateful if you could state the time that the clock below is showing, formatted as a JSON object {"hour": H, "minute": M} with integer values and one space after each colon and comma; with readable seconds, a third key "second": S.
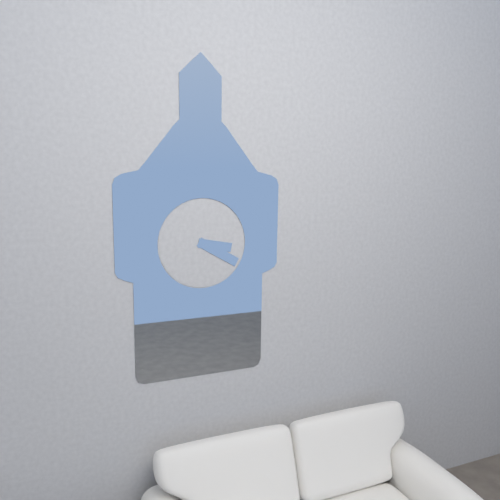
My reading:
{"hour": 3, "minute": 20}
